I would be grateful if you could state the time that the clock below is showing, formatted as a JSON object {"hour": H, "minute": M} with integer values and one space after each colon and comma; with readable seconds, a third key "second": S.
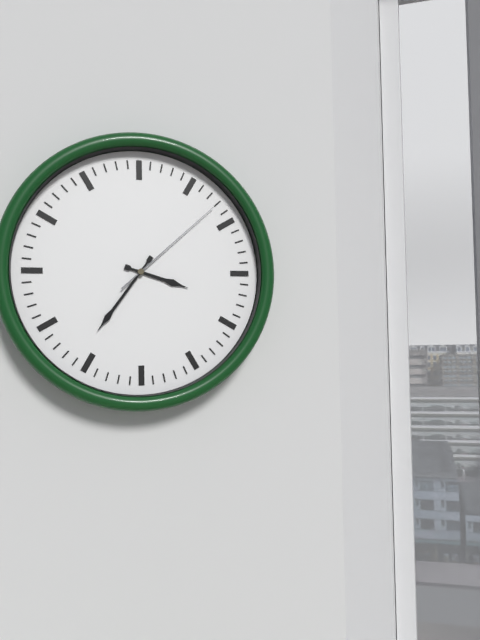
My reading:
{"hour": 3, "minute": 36, "second": 8}
